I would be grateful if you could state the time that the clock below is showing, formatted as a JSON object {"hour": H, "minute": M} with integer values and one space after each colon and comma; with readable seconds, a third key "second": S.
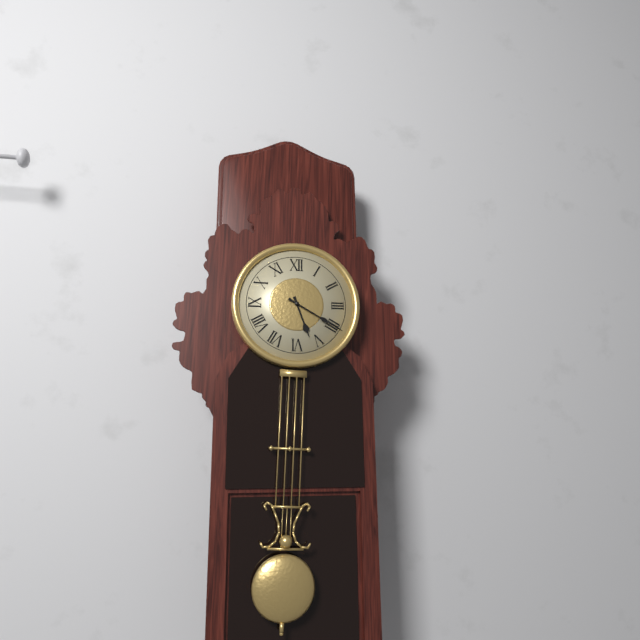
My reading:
{"hour": 5, "minute": 20}
